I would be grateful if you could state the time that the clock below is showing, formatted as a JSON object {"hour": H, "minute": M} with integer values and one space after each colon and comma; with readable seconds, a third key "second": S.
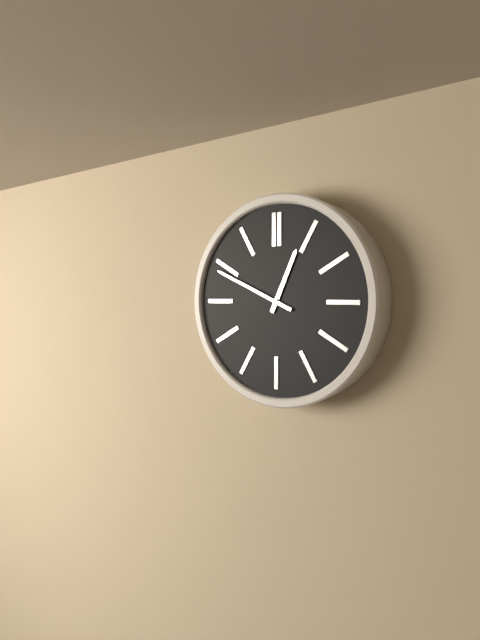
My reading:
{"hour": 12, "minute": 49}
